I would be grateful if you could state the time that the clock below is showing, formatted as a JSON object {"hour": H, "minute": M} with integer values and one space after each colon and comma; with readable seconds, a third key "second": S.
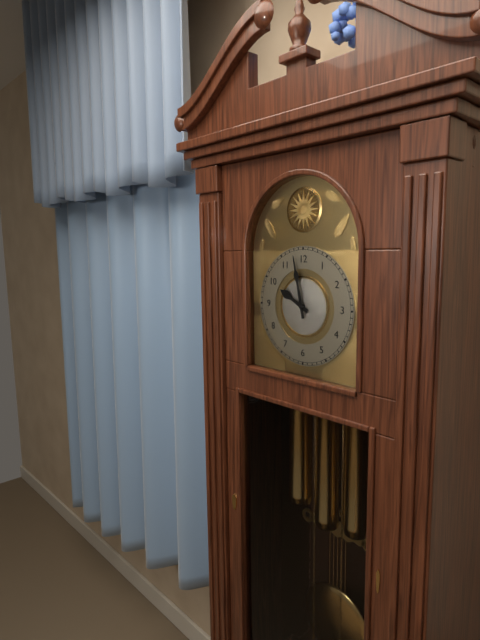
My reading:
{"hour": 9, "minute": 58}
